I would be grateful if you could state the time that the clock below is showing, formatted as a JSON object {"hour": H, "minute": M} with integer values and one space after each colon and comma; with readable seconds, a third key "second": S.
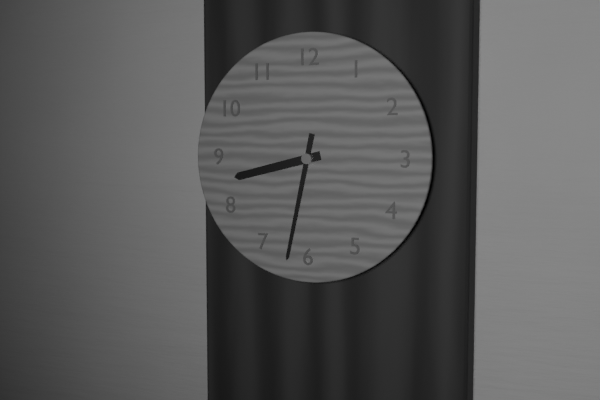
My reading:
{"hour": 8, "minute": 32}
